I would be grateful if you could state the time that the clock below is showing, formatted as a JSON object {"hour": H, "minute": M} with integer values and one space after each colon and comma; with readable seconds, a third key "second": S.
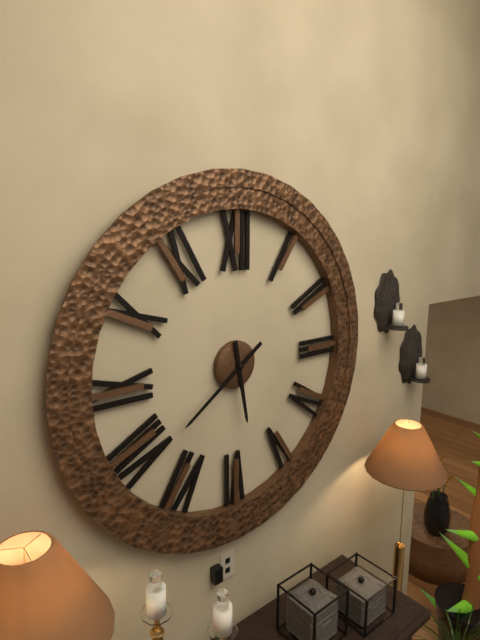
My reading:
{"hour": 5, "minute": 39}
